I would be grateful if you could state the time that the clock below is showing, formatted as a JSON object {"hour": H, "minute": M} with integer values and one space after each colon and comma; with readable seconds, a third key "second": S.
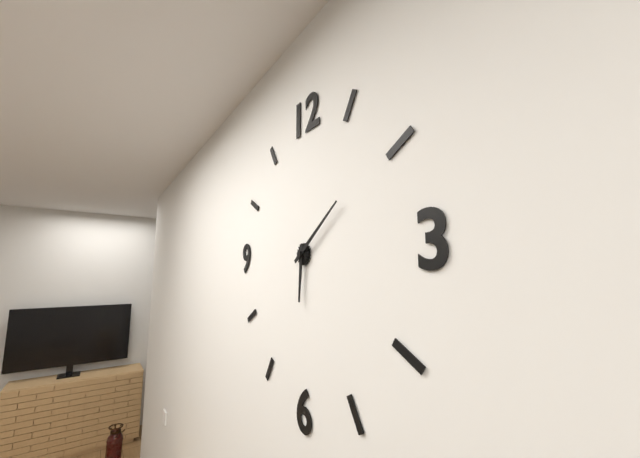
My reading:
{"hour": 6, "minute": 9}
